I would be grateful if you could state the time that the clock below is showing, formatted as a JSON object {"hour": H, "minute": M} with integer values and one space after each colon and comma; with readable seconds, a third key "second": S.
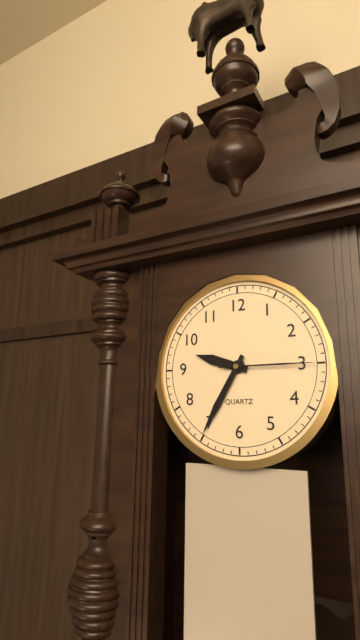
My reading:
{"hour": 9, "minute": 35, "second": 15}
